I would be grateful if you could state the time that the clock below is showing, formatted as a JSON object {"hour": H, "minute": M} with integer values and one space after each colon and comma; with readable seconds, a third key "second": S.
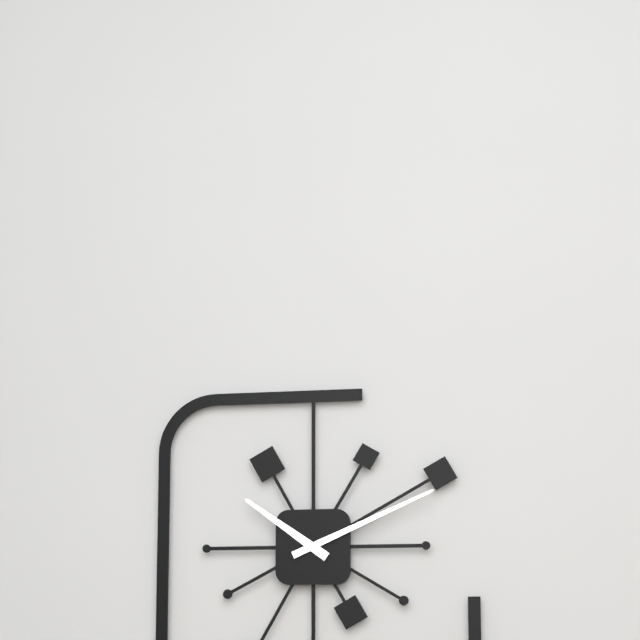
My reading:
{"hour": 10, "minute": 11}
